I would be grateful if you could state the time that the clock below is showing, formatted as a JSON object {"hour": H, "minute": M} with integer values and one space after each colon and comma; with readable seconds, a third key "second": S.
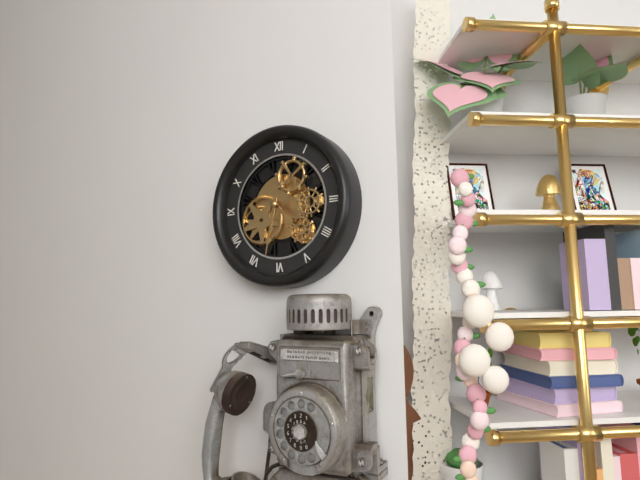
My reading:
{"hour": 4, "minute": 32}
